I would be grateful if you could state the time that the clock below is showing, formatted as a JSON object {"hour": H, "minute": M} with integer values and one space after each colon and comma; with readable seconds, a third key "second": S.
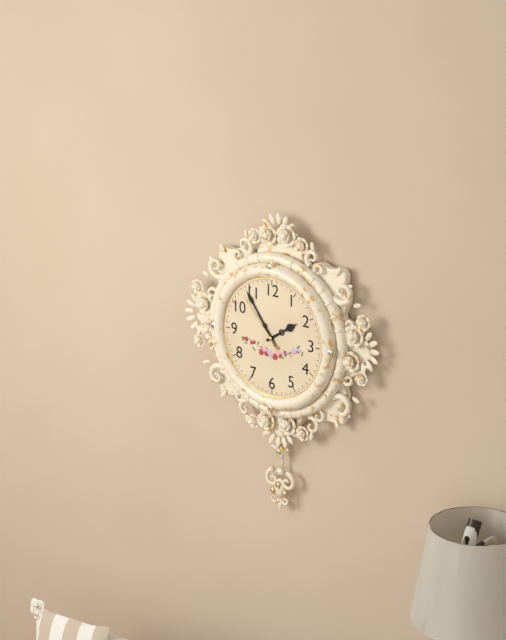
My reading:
{"hour": 1, "minute": 54, "second": 53}
